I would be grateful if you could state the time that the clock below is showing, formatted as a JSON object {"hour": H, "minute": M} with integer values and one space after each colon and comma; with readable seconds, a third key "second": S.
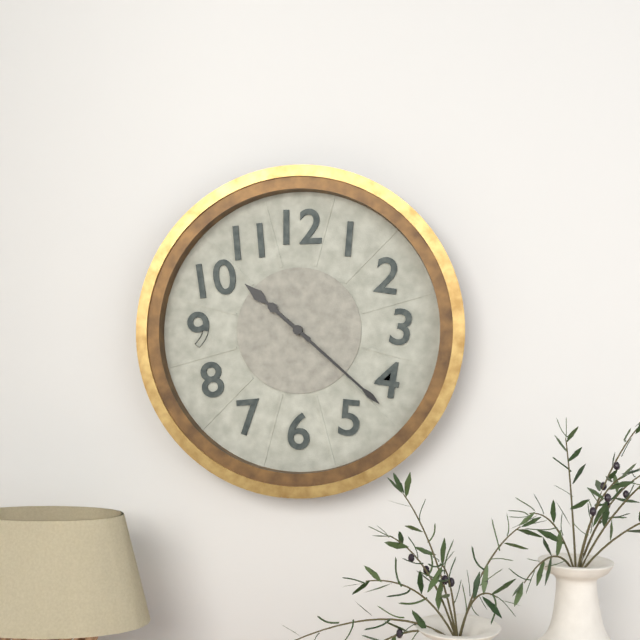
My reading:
{"hour": 10, "minute": 22}
